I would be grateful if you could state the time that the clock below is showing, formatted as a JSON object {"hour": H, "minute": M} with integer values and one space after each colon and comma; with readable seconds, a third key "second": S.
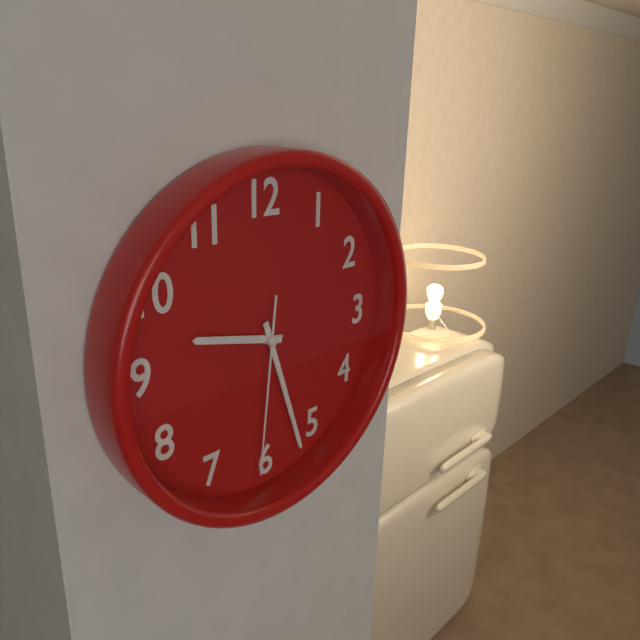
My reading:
{"hour": 9, "minute": 27, "second": 31}
